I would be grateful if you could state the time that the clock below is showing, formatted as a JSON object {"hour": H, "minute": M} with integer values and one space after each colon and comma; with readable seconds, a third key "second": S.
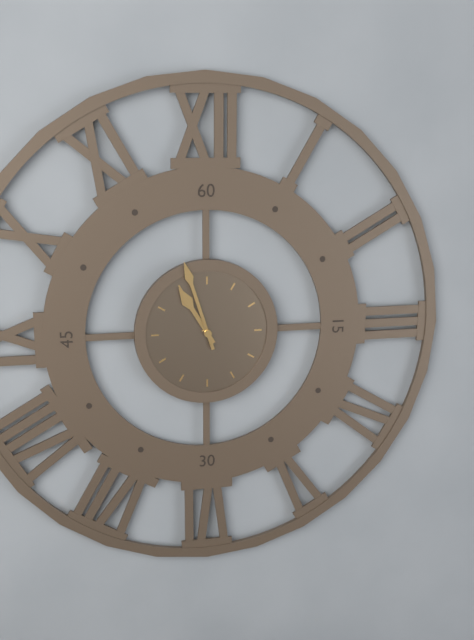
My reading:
{"hour": 10, "minute": 57}
